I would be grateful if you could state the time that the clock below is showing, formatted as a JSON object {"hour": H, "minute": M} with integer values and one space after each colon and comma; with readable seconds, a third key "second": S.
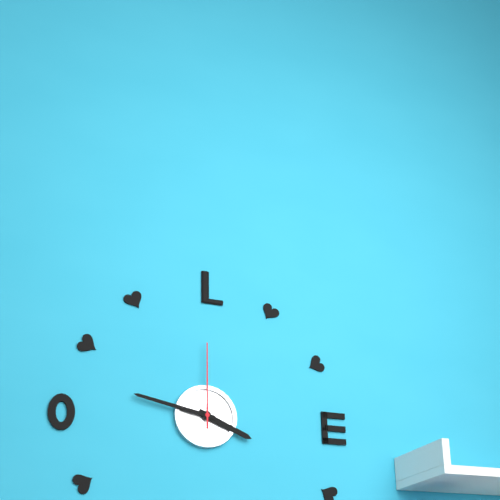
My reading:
{"hour": 3, "minute": 47, "second": 0}
